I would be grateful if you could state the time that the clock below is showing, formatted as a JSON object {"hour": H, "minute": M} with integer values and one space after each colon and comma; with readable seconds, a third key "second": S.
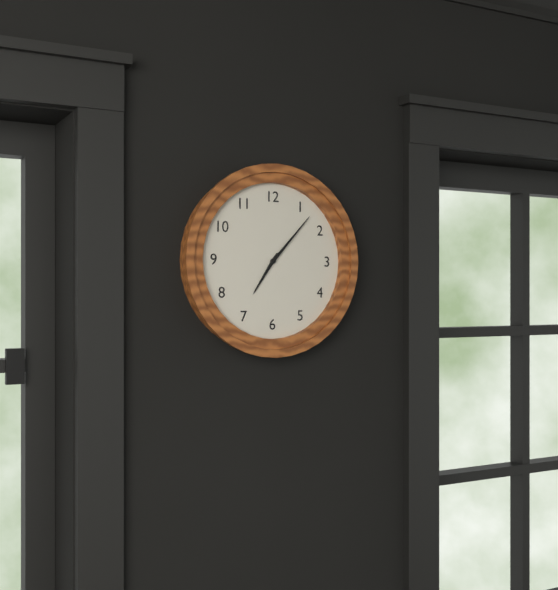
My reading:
{"hour": 7, "minute": 7}
